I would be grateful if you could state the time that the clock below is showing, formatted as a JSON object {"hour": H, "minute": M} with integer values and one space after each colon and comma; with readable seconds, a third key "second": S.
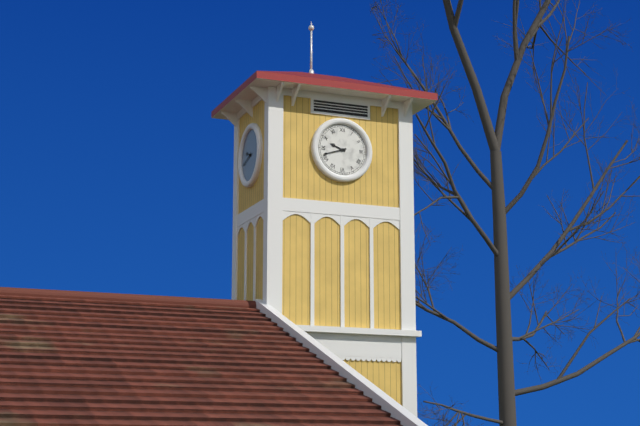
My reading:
{"hour": 9, "minute": 42}
